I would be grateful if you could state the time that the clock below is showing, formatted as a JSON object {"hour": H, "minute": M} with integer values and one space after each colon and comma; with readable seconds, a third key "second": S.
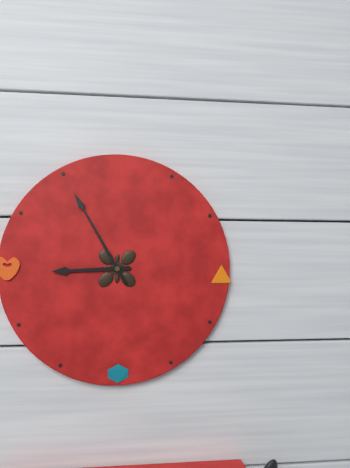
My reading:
{"hour": 8, "minute": 55}
